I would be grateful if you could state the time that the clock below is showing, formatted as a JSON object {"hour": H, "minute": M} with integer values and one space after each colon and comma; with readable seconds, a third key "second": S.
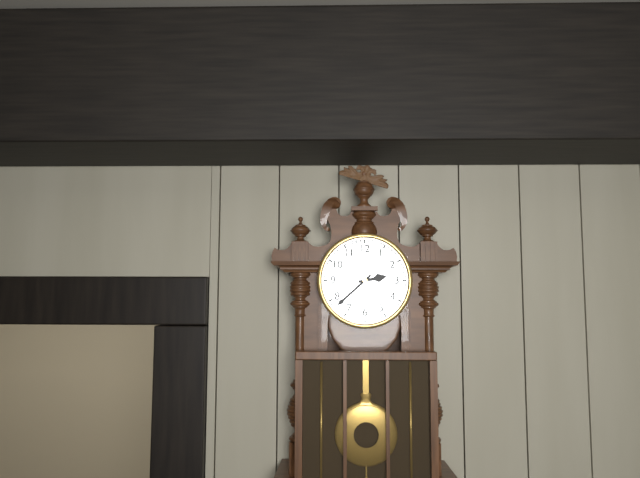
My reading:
{"hour": 2, "minute": 38}
